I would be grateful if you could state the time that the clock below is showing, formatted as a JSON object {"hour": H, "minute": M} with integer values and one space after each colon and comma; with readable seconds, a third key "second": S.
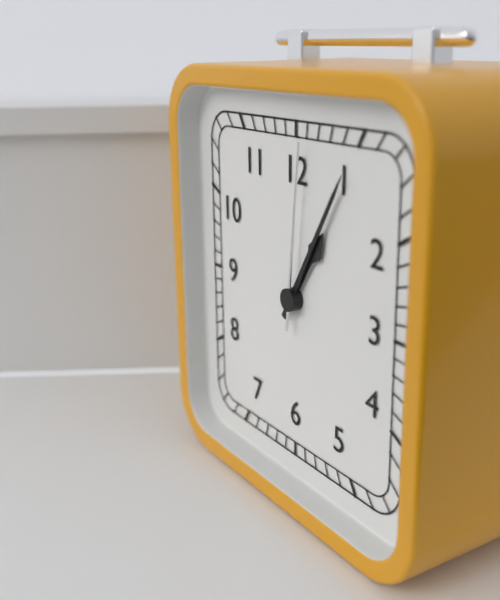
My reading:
{"hour": 1, "minute": 5, "second": 1}
